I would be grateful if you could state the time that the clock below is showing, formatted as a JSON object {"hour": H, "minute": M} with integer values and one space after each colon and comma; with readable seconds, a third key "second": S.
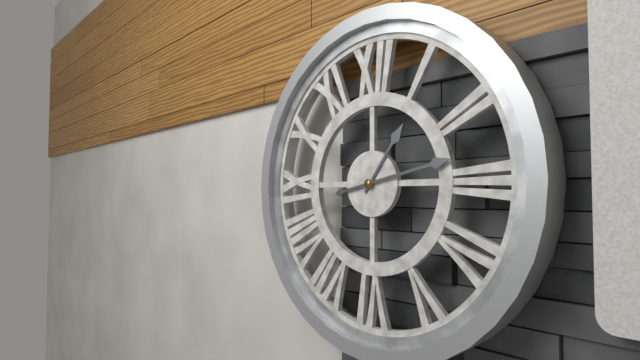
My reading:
{"hour": 1, "minute": 13}
